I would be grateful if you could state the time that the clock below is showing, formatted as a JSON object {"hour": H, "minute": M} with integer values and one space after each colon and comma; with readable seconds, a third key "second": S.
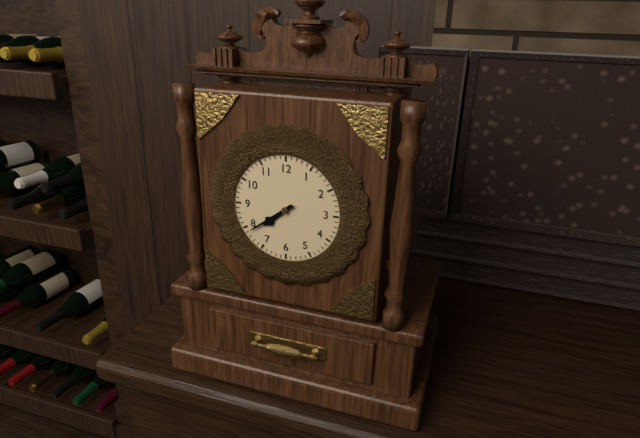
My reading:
{"hour": 7, "minute": 39}
